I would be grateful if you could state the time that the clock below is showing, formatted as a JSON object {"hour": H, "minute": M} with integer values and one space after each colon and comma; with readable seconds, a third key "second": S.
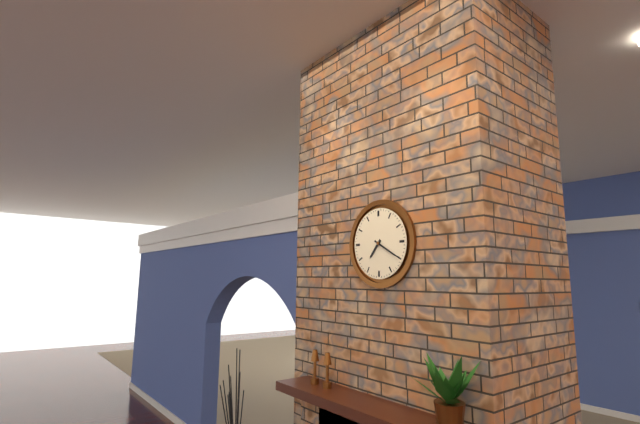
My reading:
{"hour": 7, "minute": 20}
